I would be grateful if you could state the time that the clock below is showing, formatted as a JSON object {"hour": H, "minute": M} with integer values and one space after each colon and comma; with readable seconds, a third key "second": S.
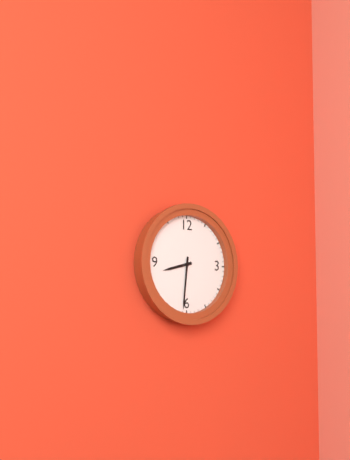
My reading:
{"hour": 8, "minute": 31}
